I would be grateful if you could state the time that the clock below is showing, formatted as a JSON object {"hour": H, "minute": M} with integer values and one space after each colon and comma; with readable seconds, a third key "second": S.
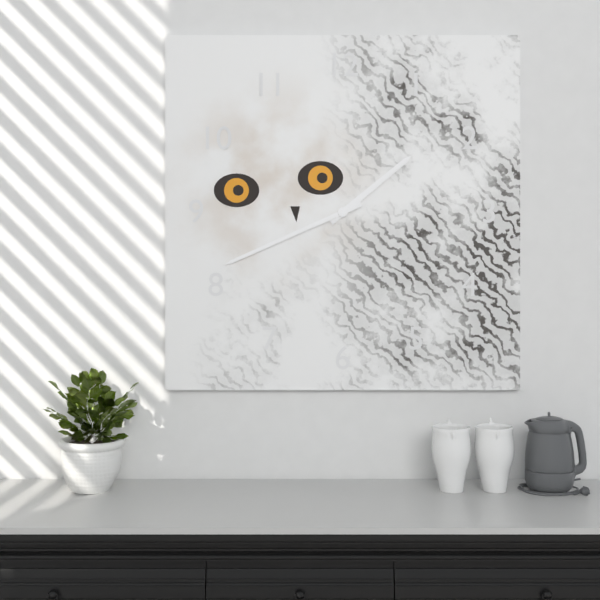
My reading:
{"hour": 1, "minute": 41}
